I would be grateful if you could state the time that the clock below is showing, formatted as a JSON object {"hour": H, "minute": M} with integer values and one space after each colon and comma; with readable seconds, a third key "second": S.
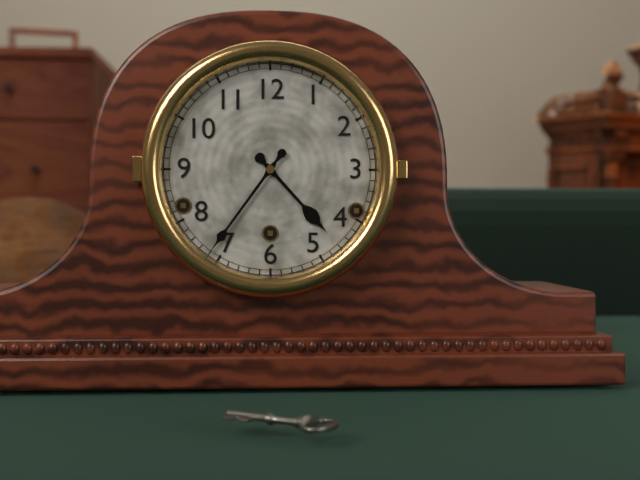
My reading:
{"hour": 4, "minute": 36}
